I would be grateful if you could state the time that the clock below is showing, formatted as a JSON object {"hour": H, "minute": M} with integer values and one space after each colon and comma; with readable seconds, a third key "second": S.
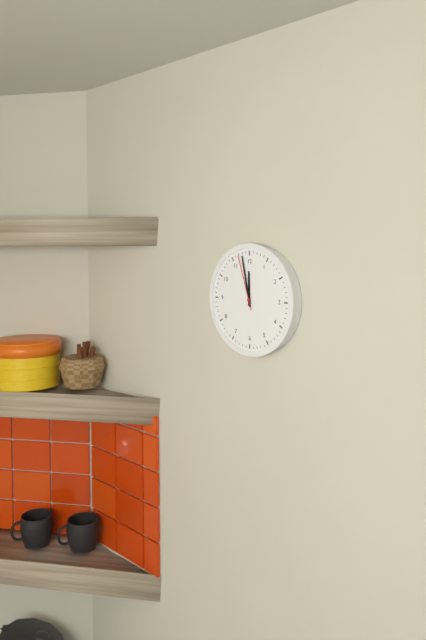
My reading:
{"hour": 11, "minute": 58, "second": 57}
